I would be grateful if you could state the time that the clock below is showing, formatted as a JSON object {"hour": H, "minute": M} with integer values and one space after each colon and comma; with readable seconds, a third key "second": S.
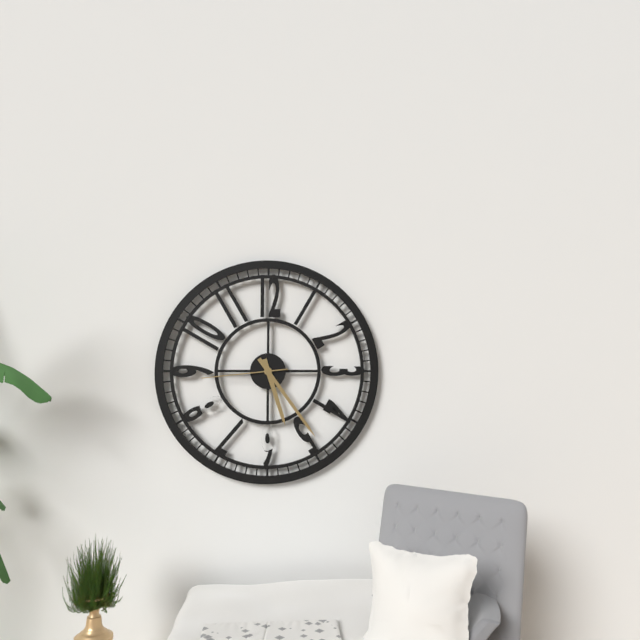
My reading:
{"hour": 5, "minute": 24, "second": 44}
